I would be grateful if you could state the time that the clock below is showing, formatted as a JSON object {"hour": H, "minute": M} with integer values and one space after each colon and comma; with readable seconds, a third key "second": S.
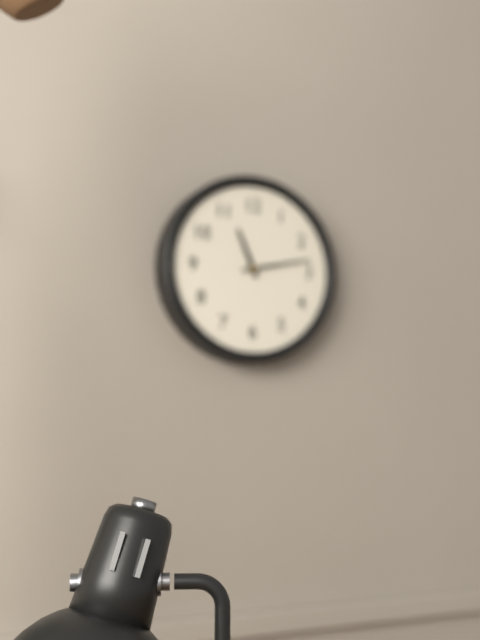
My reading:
{"hour": 11, "minute": 13}
